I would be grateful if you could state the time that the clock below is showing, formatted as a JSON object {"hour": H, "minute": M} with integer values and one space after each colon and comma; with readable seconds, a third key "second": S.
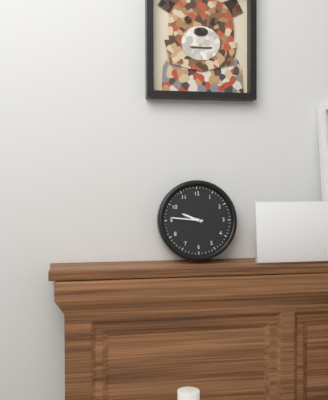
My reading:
{"hour": 9, "minute": 46}
